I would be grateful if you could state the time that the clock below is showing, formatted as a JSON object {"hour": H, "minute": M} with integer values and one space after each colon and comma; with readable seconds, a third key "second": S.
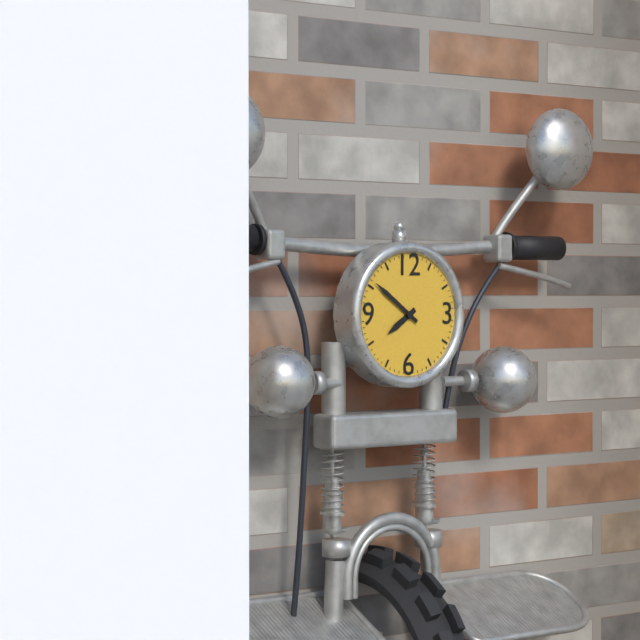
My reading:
{"hour": 7, "minute": 51}
